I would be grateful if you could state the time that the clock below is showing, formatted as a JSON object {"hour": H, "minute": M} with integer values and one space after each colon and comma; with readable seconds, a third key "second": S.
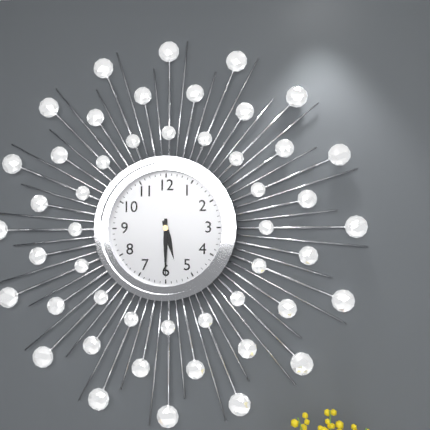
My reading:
{"hour": 5, "minute": 30}
